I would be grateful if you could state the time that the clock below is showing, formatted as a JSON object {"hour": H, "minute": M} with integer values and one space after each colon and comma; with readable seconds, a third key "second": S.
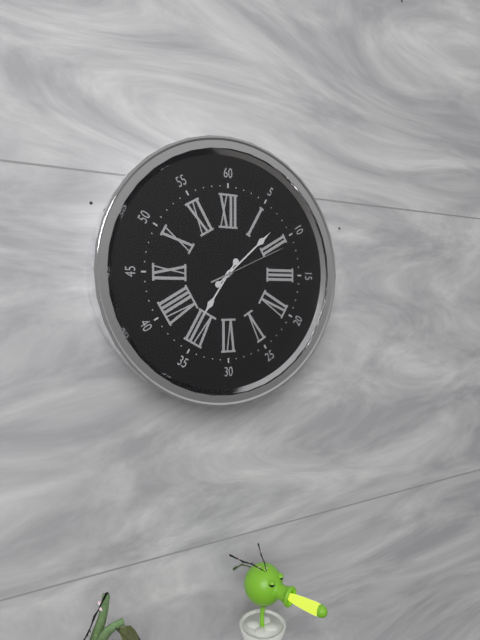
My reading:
{"hour": 7, "minute": 8, "second": 11}
